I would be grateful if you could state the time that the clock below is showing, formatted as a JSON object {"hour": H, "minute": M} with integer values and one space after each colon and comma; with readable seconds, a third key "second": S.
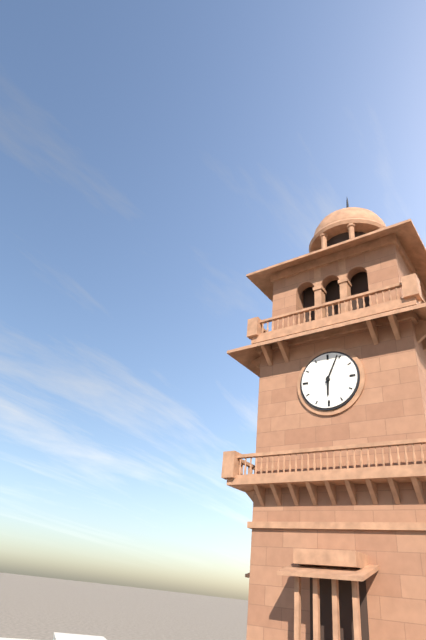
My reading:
{"hour": 6, "minute": 4}
